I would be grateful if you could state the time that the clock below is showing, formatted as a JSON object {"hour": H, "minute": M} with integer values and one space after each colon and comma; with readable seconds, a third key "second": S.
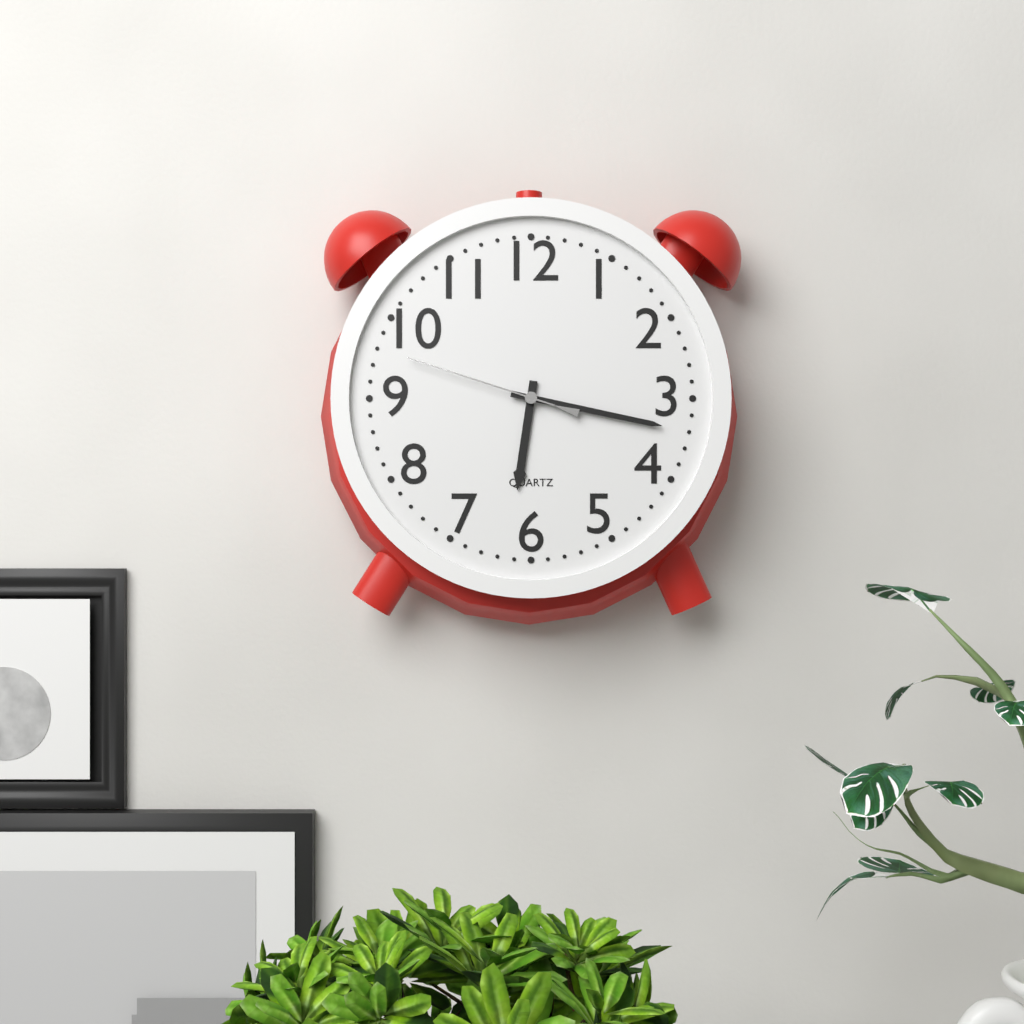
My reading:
{"hour": 6, "minute": 17, "second": 48}
